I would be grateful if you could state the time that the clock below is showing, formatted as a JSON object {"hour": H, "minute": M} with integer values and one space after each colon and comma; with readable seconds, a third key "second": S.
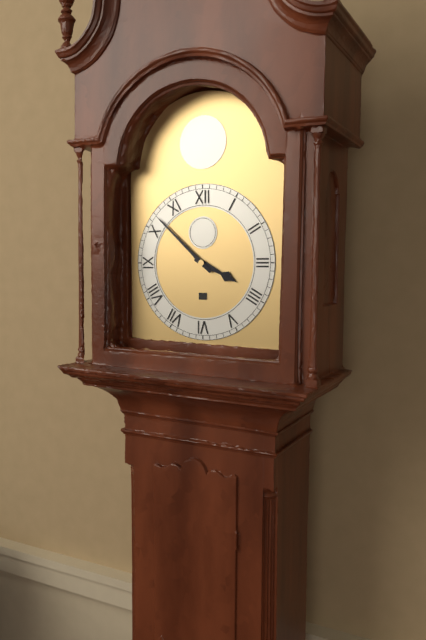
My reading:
{"hour": 3, "minute": 52}
